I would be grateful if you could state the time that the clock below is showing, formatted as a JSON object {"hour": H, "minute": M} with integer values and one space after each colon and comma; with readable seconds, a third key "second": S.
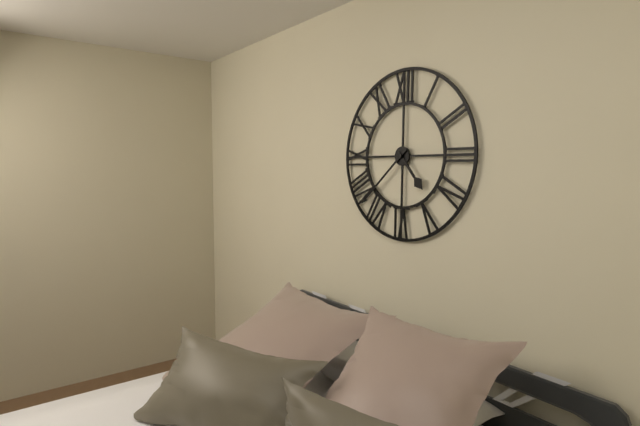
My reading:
{"hour": 4, "minute": 38}
